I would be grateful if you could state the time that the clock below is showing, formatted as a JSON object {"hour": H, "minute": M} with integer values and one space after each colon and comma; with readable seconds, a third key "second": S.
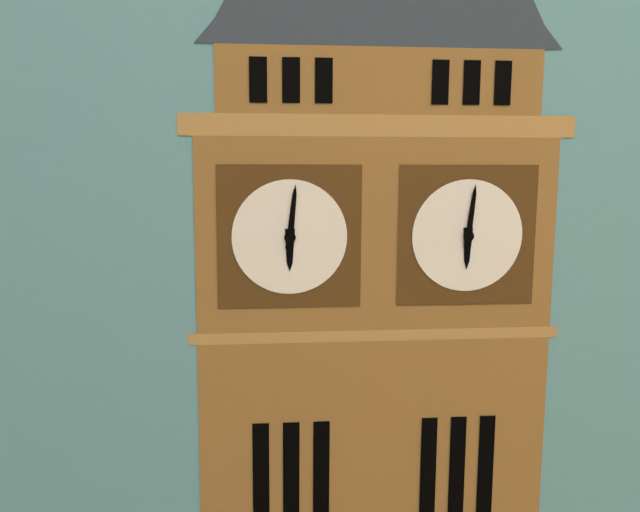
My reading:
{"hour": 6, "minute": 1}
